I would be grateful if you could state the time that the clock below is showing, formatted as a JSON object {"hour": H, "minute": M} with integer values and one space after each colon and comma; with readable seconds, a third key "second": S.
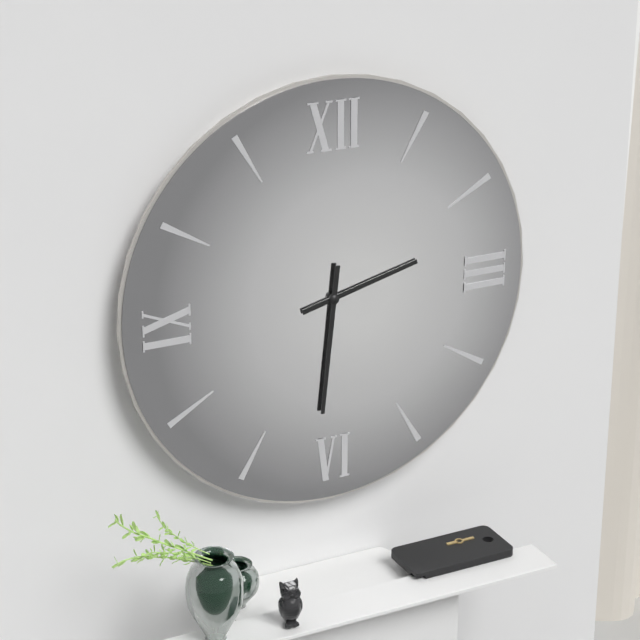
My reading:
{"hour": 2, "minute": 31}
